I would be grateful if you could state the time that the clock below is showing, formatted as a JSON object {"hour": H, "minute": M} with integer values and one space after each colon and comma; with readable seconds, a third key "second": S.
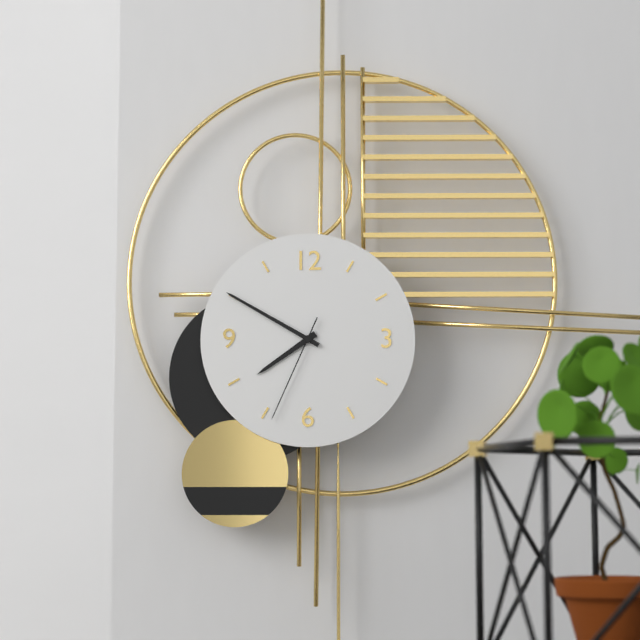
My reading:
{"hour": 7, "minute": 50, "second": 34}
